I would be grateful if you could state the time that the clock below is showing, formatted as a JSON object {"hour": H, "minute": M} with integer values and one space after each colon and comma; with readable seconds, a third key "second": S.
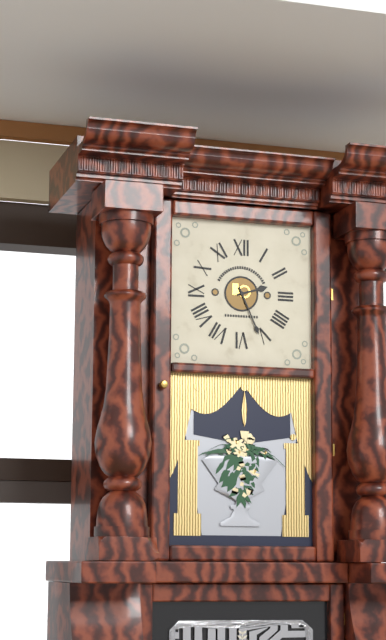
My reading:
{"hour": 2, "minute": 26}
